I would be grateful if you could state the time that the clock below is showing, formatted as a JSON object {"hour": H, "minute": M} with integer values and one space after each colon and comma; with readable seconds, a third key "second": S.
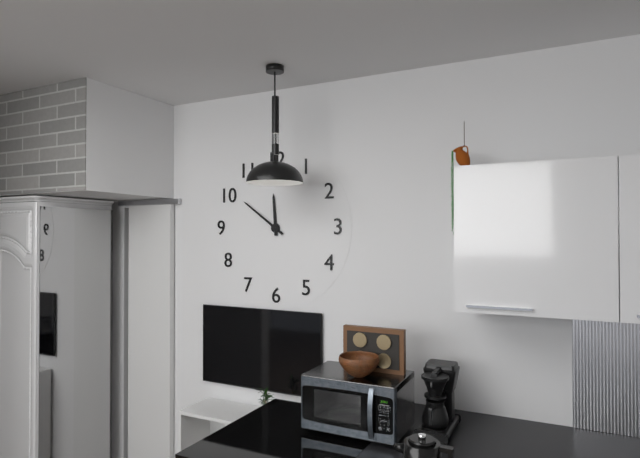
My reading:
{"hour": 11, "minute": 51}
